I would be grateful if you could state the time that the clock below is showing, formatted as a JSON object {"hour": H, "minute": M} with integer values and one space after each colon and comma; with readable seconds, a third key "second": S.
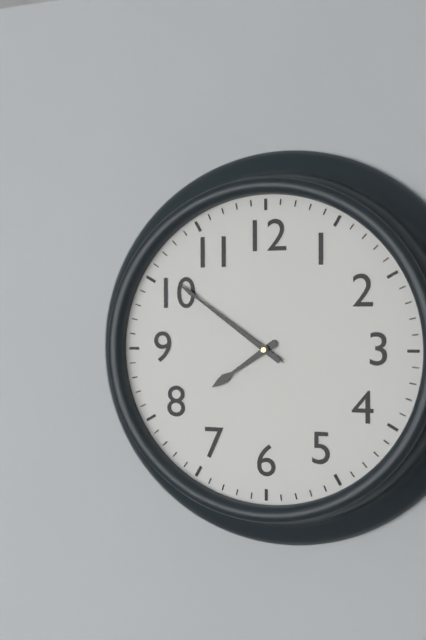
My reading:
{"hour": 7, "minute": 51}
